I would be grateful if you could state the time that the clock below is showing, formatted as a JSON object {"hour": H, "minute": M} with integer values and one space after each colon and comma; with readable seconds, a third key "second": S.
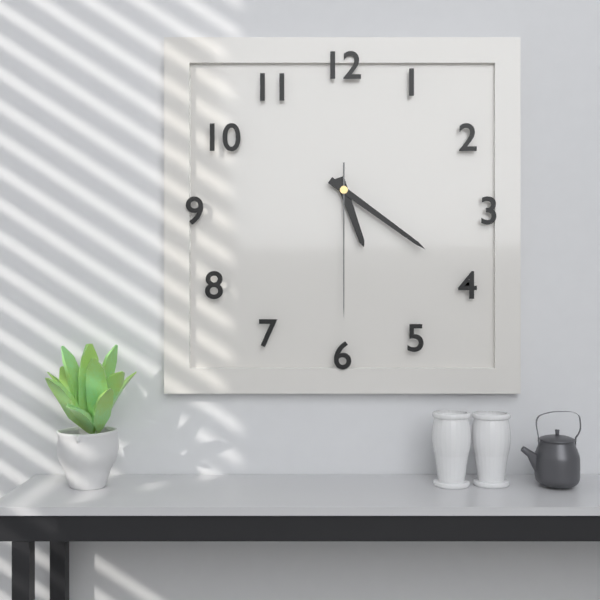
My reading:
{"hour": 5, "minute": 21, "second": 30}
